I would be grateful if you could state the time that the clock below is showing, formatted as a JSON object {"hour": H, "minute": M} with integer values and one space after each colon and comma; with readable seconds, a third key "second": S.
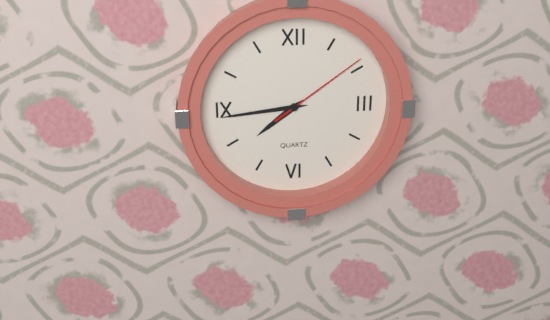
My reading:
{"hour": 7, "minute": 44, "second": 9}
